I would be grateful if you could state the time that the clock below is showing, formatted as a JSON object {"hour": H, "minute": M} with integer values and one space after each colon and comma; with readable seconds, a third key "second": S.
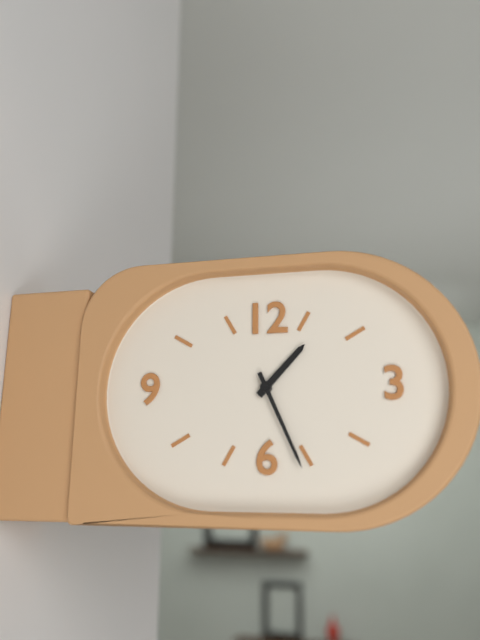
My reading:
{"hour": 1, "minute": 26}
